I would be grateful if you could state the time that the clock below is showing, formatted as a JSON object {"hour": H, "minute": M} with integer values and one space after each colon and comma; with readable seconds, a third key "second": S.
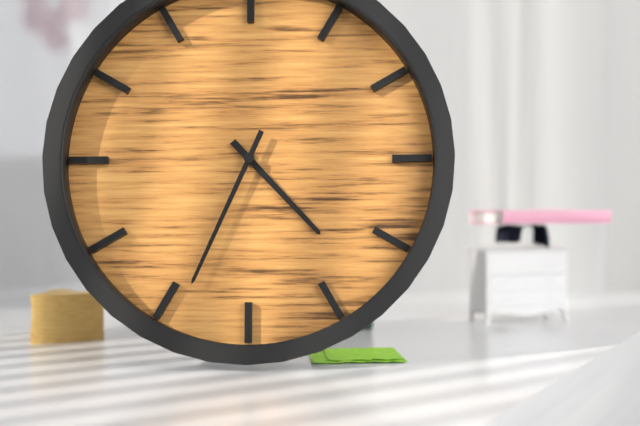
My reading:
{"hour": 4, "minute": 34}
